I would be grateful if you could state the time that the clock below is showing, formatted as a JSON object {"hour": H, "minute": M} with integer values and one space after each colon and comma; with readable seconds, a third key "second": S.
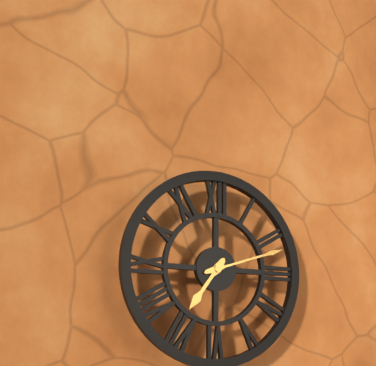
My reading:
{"hour": 7, "minute": 12}
